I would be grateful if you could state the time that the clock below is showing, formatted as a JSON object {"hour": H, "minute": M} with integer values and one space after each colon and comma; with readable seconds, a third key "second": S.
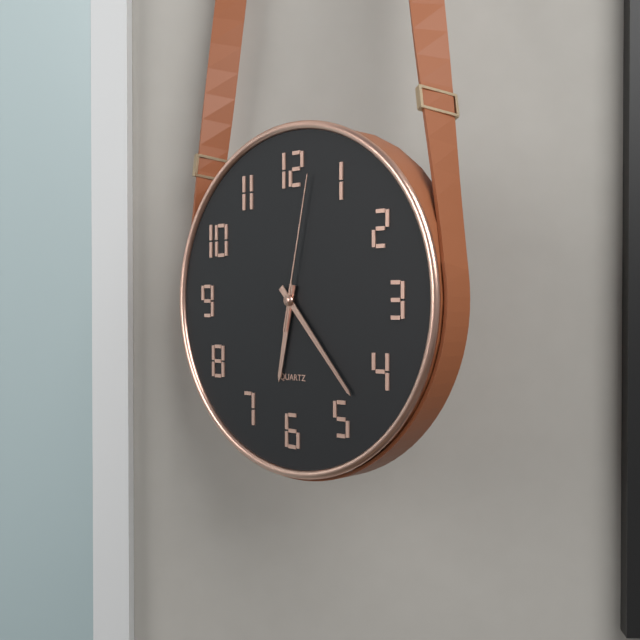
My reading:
{"hour": 6, "minute": 23, "second": 2}
